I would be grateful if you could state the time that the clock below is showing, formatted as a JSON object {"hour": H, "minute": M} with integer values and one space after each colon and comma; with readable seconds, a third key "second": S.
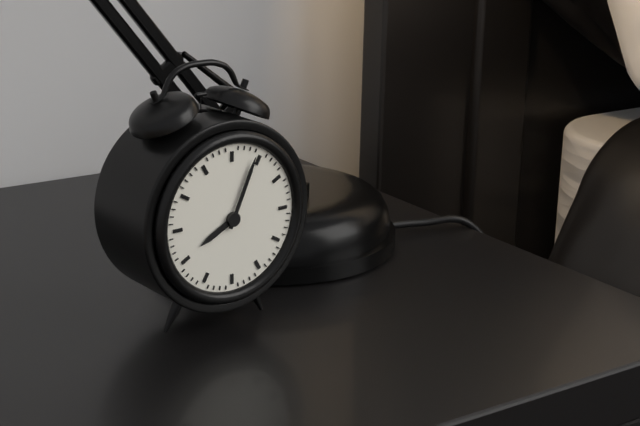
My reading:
{"hour": 8, "minute": 4}
